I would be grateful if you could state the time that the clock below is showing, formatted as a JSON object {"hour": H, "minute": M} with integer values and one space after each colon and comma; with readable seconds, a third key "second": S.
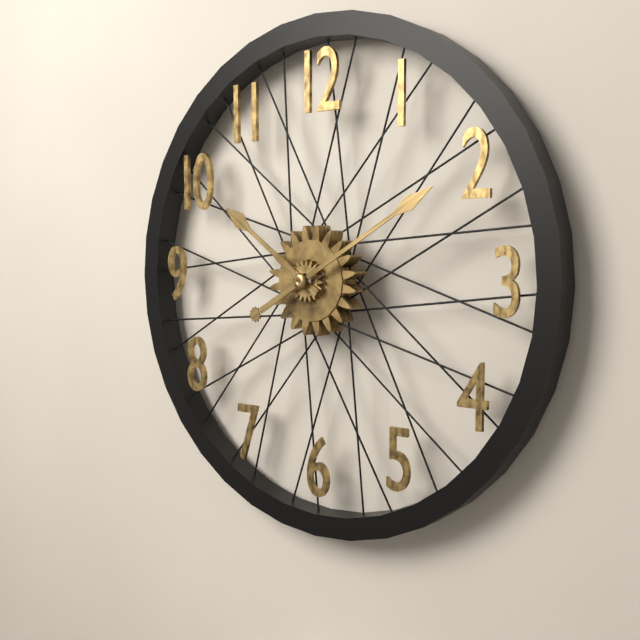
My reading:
{"hour": 10, "minute": 10}
